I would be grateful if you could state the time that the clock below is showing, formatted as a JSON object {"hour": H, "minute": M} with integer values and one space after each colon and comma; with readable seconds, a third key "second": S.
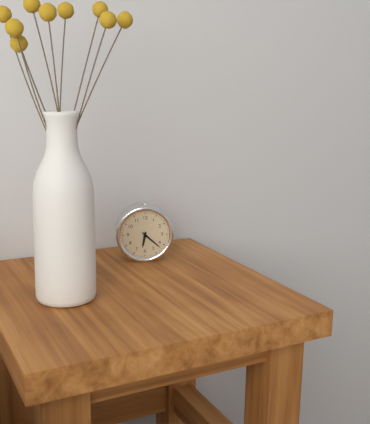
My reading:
{"hour": 6, "minute": 22}
